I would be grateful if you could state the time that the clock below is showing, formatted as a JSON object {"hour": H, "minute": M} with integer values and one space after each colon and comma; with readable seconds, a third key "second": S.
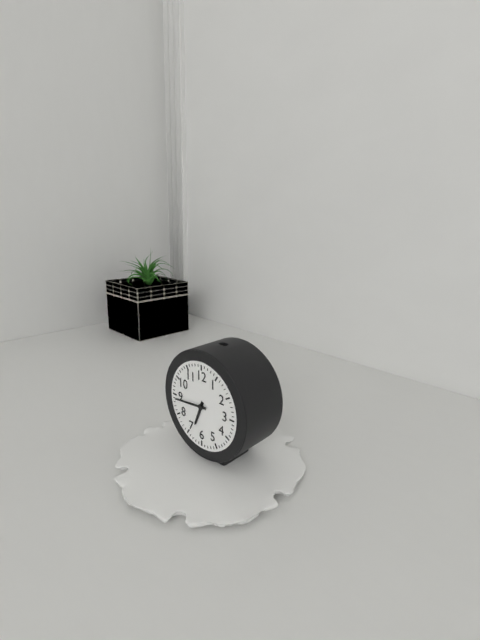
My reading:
{"hour": 6, "minute": 44}
